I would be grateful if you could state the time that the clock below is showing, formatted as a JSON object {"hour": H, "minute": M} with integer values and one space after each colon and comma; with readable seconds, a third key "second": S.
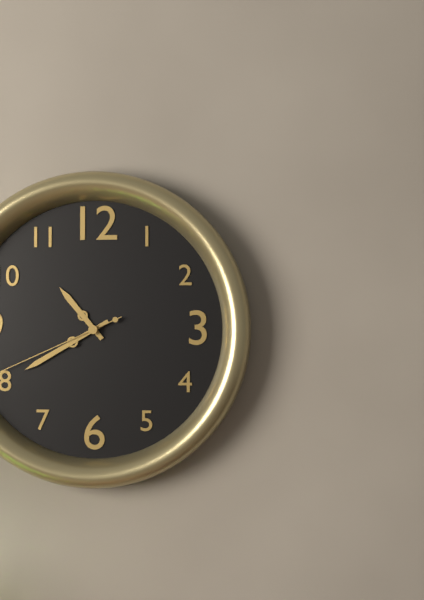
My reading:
{"hour": 10, "minute": 40}
